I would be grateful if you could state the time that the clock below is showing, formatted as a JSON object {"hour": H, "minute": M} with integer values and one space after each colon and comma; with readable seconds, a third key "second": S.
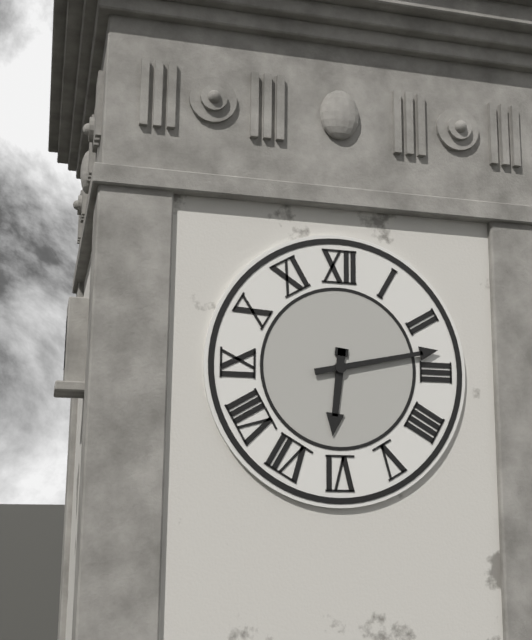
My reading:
{"hour": 6, "minute": 13}
